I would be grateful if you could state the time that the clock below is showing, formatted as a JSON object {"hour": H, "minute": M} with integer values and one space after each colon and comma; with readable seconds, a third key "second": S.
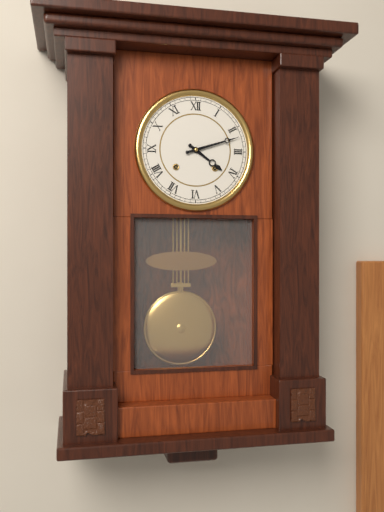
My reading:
{"hour": 4, "minute": 12}
